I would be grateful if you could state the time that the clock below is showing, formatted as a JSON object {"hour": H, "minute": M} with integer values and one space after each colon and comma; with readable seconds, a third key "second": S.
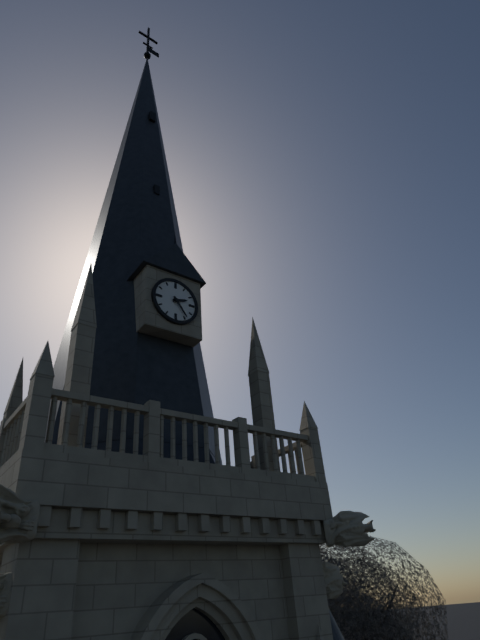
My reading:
{"hour": 2, "minute": 24}
